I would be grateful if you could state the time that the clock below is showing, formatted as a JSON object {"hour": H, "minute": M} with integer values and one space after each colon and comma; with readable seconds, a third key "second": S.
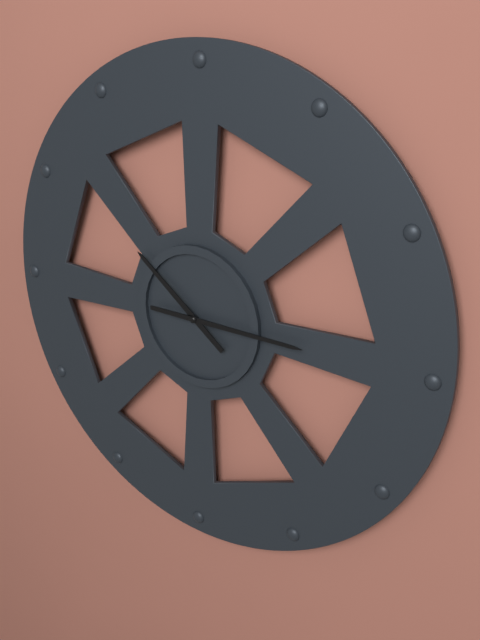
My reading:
{"hour": 10, "minute": 15}
